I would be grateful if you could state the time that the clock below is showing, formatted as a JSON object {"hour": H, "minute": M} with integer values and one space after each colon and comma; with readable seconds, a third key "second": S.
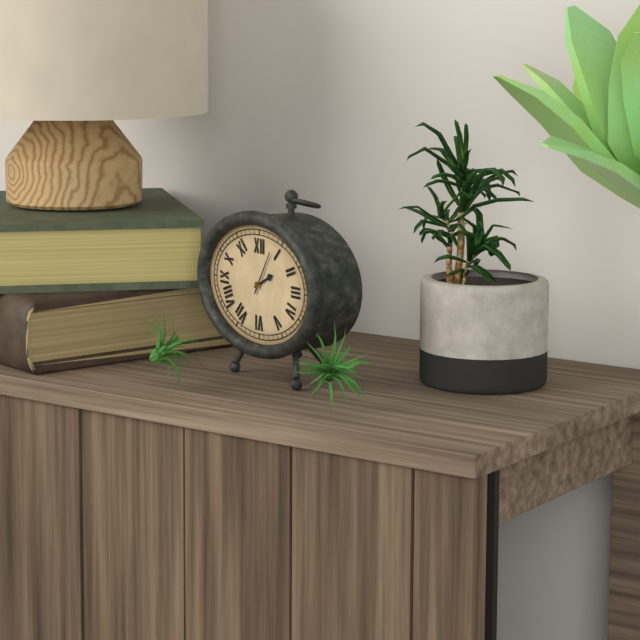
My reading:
{"hour": 2, "minute": 5}
